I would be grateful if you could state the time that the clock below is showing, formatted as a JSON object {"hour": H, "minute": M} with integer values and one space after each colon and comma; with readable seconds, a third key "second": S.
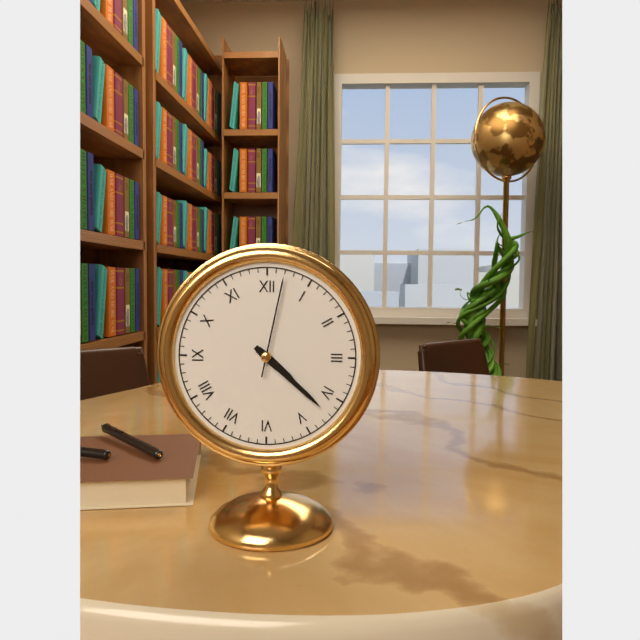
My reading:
{"hour": 4, "minute": 22, "second": 2}
